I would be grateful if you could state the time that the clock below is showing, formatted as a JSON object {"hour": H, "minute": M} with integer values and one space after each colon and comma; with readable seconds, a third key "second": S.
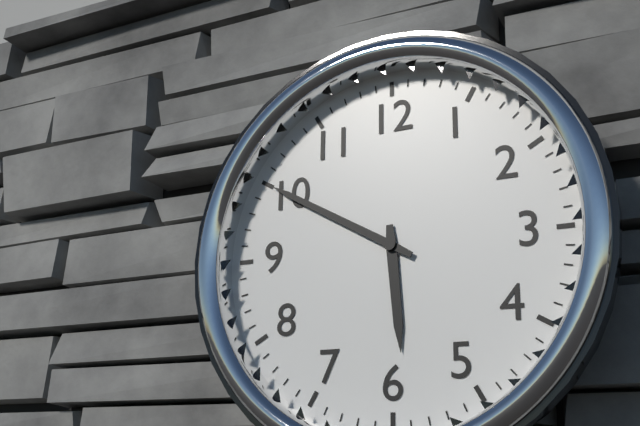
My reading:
{"hour": 5, "minute": 50}
